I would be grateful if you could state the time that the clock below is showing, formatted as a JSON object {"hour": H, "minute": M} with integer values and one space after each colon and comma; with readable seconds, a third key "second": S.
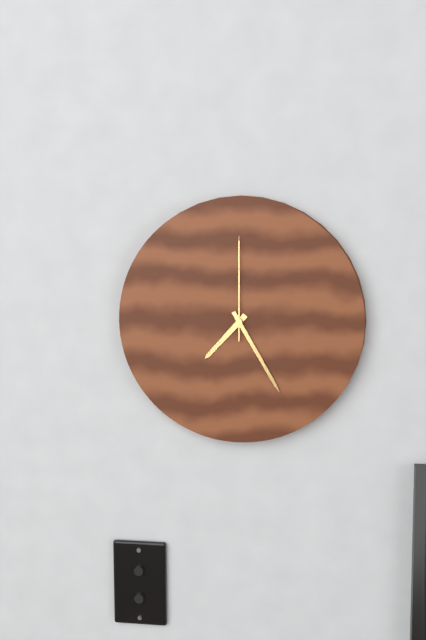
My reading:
{"hour": 7, "minute": 25, "second": 0}
